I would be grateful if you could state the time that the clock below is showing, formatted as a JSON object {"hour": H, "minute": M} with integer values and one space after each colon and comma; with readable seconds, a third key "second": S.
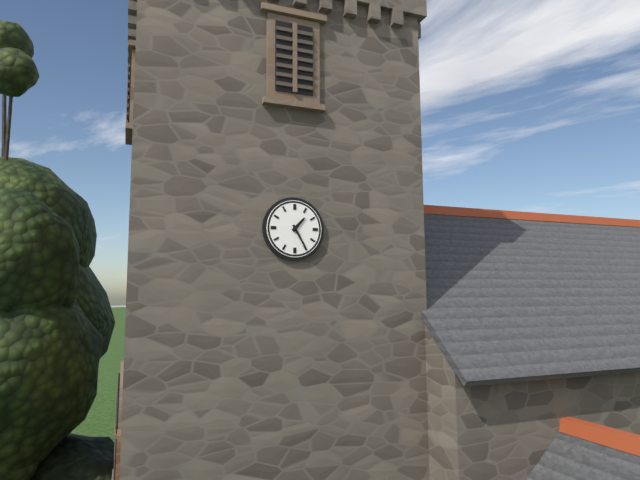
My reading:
{"hour": 1, "minute": 25}
